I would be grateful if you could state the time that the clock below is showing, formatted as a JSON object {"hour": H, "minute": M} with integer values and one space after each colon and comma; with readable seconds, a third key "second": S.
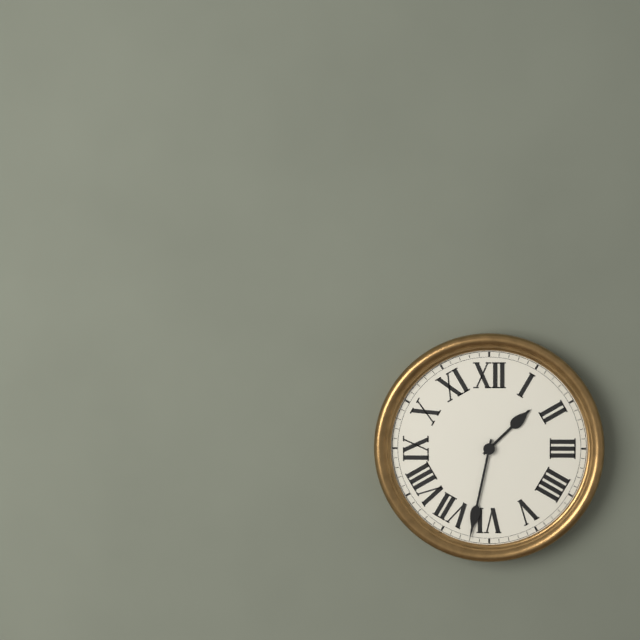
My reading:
{"hour": 1, "minute": 32}
